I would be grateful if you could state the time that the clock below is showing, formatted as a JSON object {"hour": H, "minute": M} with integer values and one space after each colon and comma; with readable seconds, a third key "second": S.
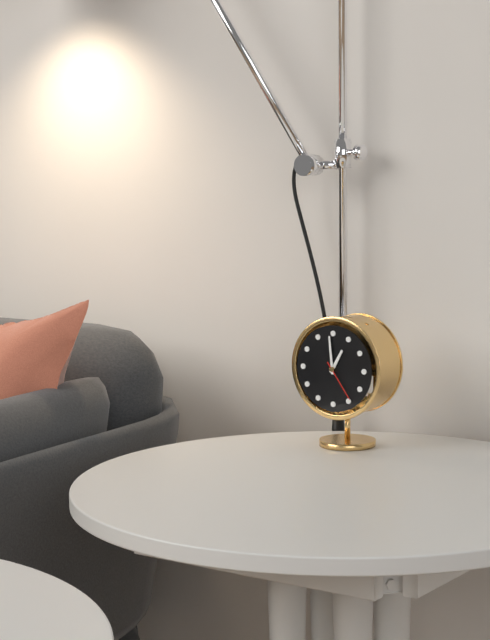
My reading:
{"hour": 12, "minute": 59}
